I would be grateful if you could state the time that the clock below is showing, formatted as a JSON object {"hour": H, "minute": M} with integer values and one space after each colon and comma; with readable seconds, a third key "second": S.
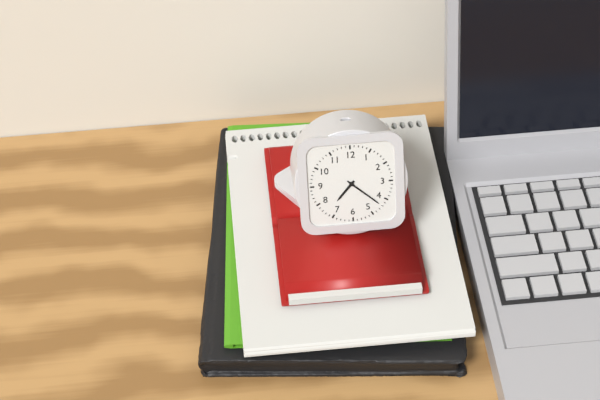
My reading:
{"hour": 7, "minute": 22}
